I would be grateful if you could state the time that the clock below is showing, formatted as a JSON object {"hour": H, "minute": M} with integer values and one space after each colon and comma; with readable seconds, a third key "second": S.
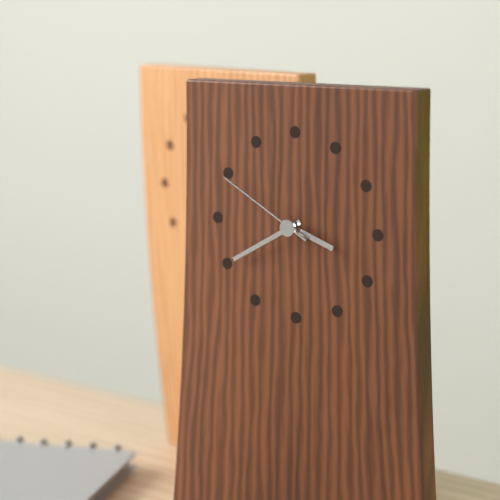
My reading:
{"hour": 3, "minute": 40, "second": 50}
